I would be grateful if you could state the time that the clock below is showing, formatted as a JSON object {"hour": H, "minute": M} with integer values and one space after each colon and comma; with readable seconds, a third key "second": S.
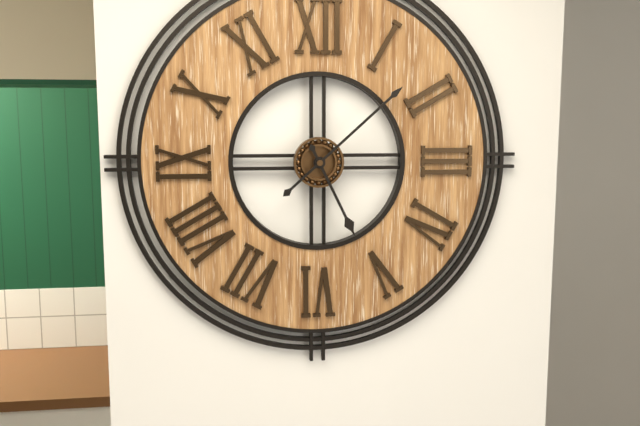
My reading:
{"hour": 5, "minute": 8}
